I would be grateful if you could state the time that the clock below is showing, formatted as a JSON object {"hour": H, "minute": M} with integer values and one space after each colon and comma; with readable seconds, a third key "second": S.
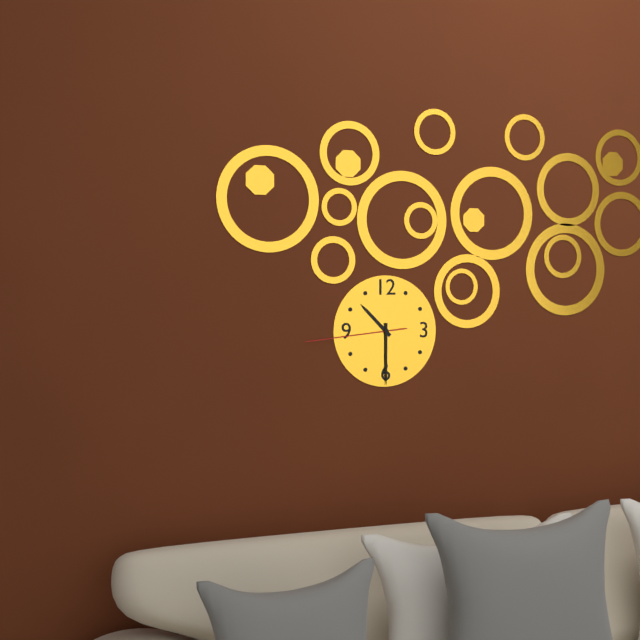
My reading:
{"hour": 10, "minute": 30, "second": 44}
